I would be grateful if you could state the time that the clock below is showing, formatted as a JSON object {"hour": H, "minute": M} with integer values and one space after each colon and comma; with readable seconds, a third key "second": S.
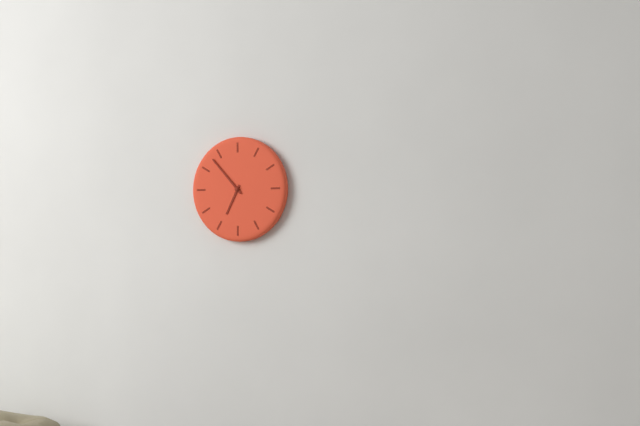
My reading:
{"hour": 6, "minute": 53}
